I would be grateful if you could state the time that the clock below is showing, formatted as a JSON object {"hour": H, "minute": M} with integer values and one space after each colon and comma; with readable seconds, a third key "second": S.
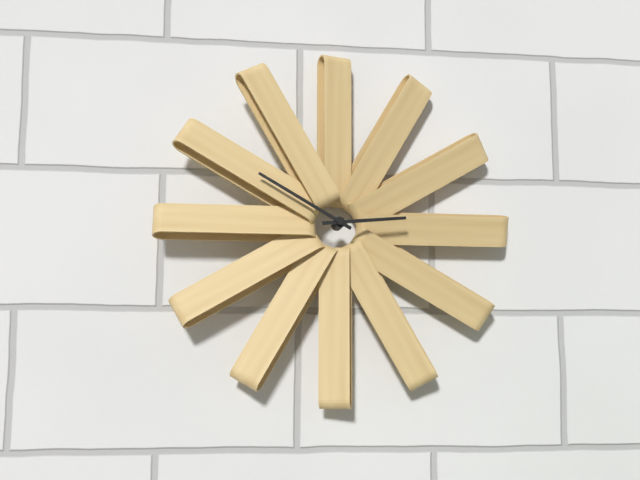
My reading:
{"hour": 2, "minute": 50}
